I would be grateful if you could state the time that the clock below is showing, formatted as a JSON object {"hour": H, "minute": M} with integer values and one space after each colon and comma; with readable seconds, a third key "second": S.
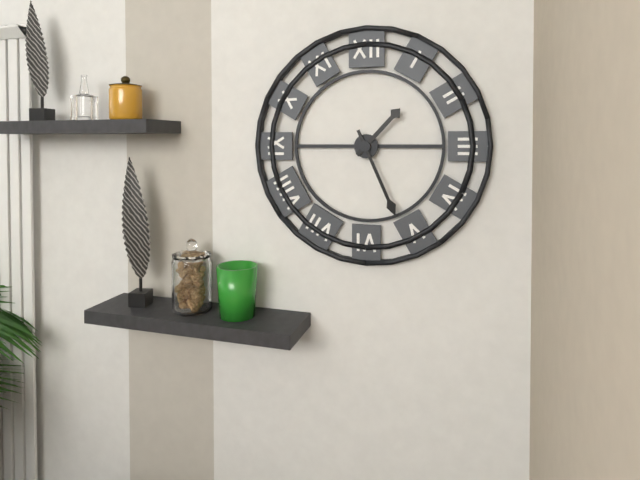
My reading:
{"hour": 1, "minute": 26}
